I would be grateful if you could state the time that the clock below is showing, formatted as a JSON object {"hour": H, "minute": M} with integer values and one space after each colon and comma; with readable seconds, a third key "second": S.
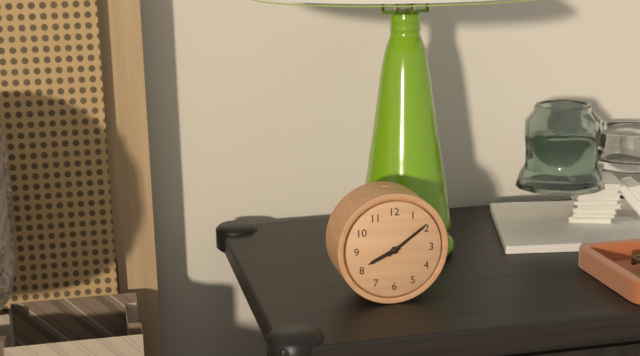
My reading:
{"hour": 8, "minute": 9}
